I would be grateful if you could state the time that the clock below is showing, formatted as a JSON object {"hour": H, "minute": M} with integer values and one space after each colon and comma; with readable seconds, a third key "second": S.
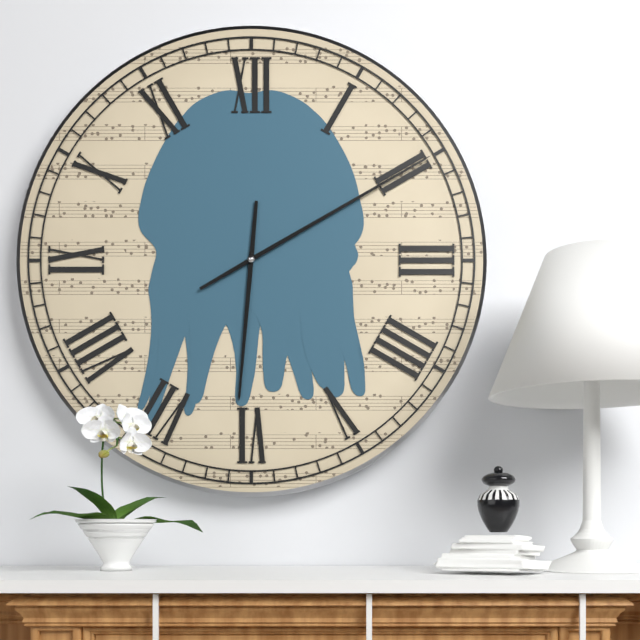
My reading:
{"hour": 6, "minute": 10}
